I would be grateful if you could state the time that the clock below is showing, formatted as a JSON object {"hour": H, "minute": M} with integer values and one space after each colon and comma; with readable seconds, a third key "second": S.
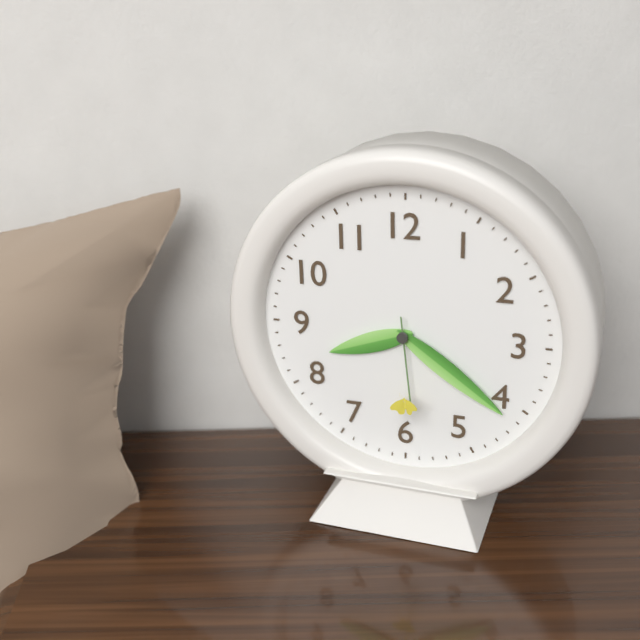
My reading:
{"hour": 8, "minute": 21, "second": 29}
